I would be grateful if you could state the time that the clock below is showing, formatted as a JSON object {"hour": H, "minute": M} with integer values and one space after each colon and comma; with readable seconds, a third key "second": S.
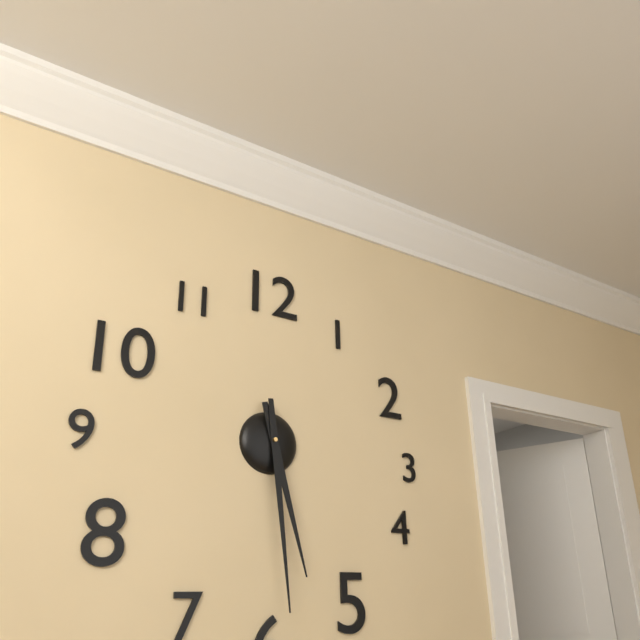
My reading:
{"hour": 5, "minute": 29}
